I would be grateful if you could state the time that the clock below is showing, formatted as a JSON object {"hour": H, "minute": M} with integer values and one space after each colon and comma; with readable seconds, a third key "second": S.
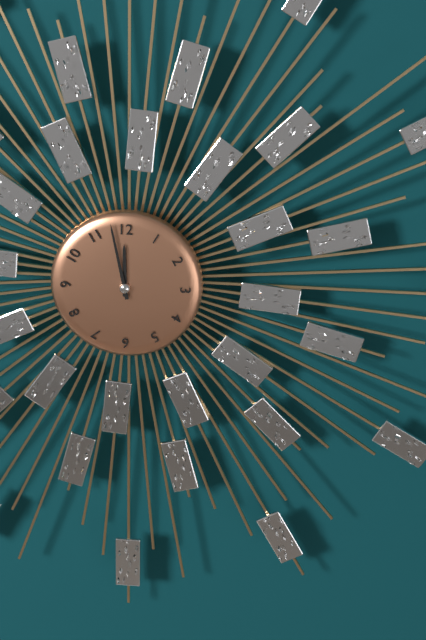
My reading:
{"hour": 11, "minute": 58}
